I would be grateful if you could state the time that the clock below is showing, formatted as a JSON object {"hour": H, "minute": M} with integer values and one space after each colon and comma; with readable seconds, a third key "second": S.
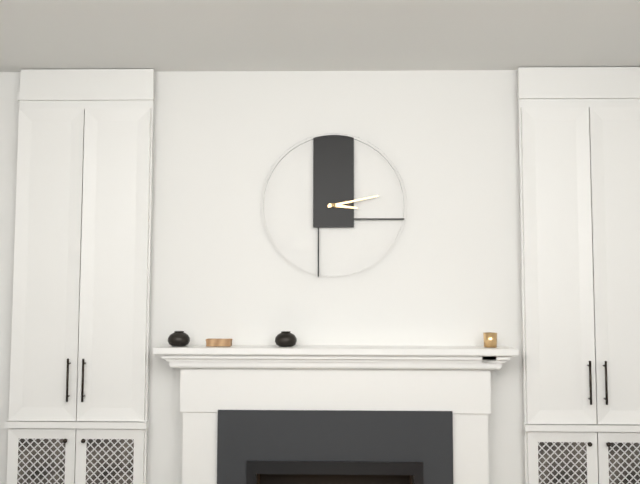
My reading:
{"hour": 3, "minute": 13}
